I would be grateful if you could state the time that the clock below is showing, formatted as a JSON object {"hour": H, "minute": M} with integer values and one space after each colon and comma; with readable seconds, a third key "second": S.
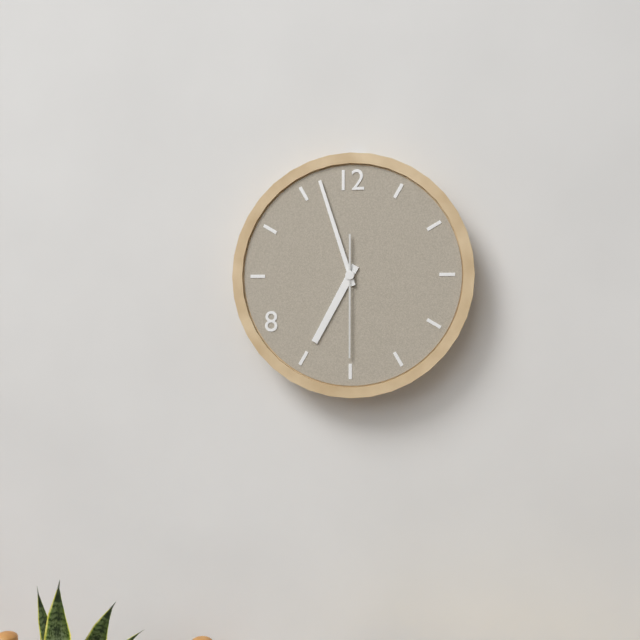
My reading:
{"hour": 6, "minute": 57, "second": 30}
